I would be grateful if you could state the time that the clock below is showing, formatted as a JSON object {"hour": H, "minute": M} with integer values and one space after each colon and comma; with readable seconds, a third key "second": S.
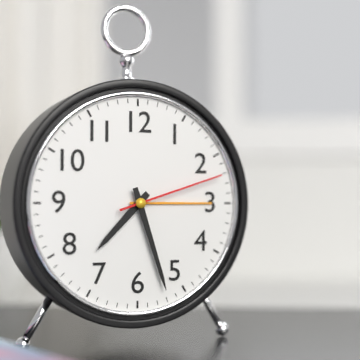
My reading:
{"hour": 7, "minute": 27, "second": 12}
